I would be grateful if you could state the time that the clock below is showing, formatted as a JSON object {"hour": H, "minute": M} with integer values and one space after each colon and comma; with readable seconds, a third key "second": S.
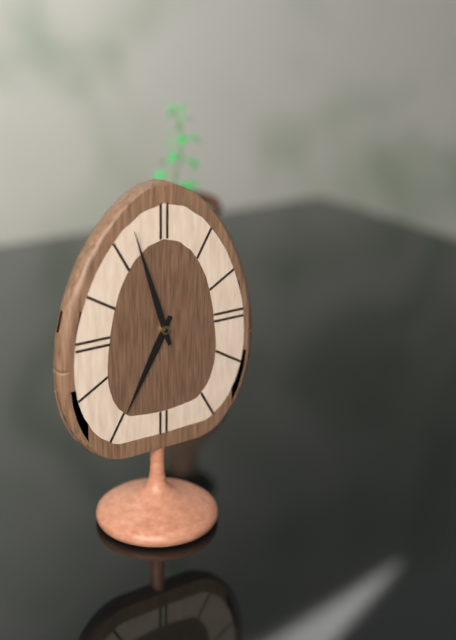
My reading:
{"hour": 6, "minute": 57}
